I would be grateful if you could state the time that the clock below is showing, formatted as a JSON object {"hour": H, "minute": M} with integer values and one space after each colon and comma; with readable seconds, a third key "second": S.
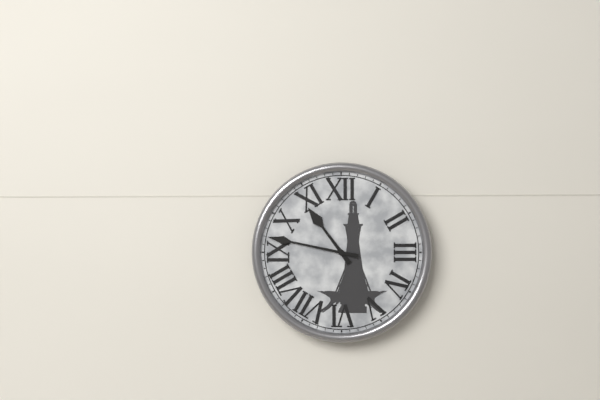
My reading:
{"hour": 10, "minute": 47}
